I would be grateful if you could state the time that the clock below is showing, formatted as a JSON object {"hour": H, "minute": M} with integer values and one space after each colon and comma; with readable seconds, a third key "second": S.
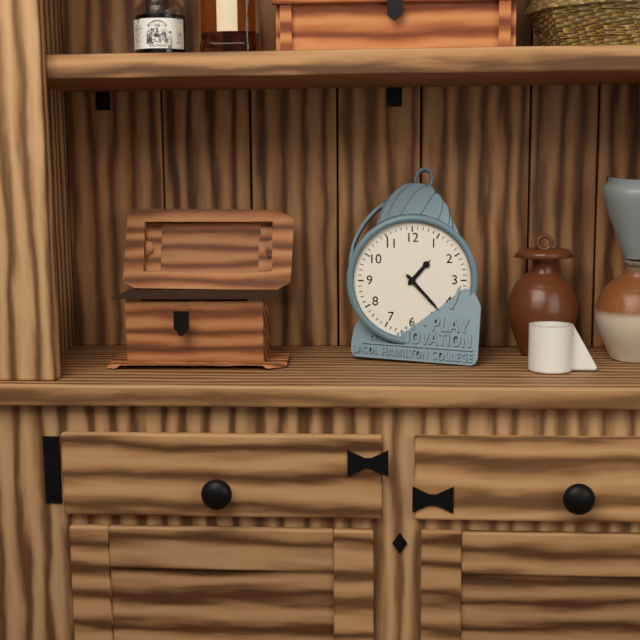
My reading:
{"hour": 1, "minute": 23}
